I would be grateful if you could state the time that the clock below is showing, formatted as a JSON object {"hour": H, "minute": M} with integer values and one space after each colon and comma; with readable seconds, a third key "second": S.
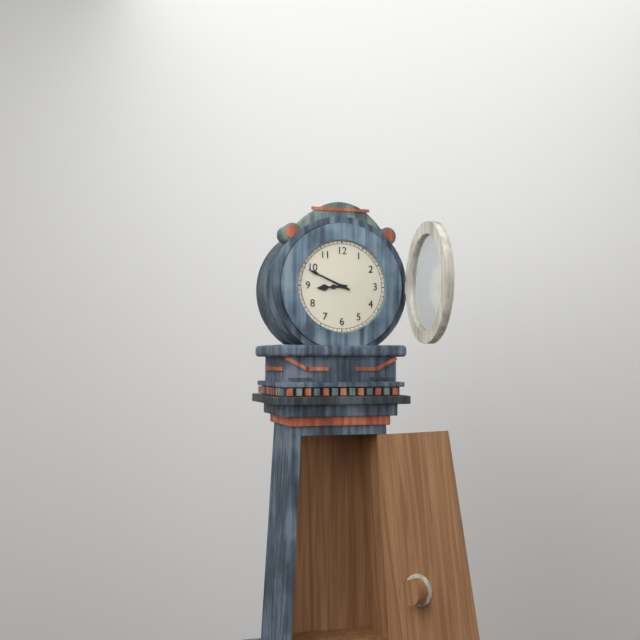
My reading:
{"hour": 8, "minute": 49}
